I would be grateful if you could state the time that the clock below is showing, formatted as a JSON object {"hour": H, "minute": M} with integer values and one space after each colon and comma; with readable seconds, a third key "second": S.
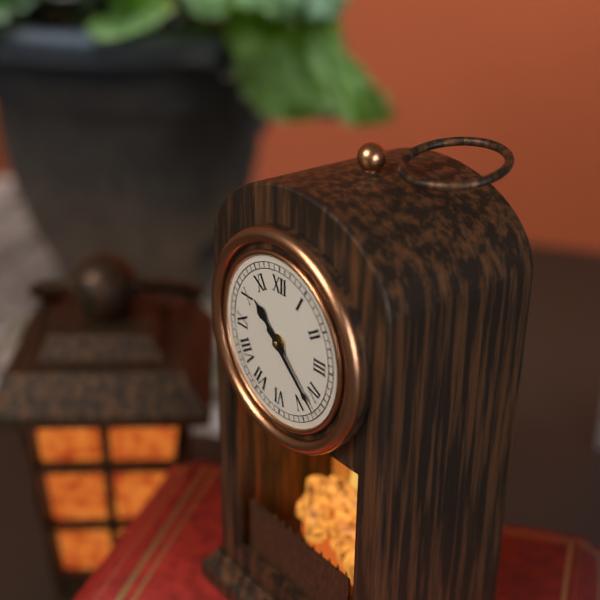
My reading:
{"hour": 10, "minute": 22}
